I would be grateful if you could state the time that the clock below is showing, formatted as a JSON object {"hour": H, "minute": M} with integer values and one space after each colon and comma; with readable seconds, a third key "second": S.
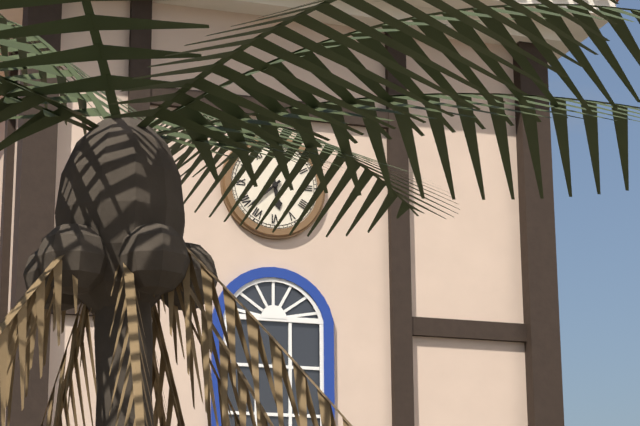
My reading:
{"hour": 5, "minute": 38}
